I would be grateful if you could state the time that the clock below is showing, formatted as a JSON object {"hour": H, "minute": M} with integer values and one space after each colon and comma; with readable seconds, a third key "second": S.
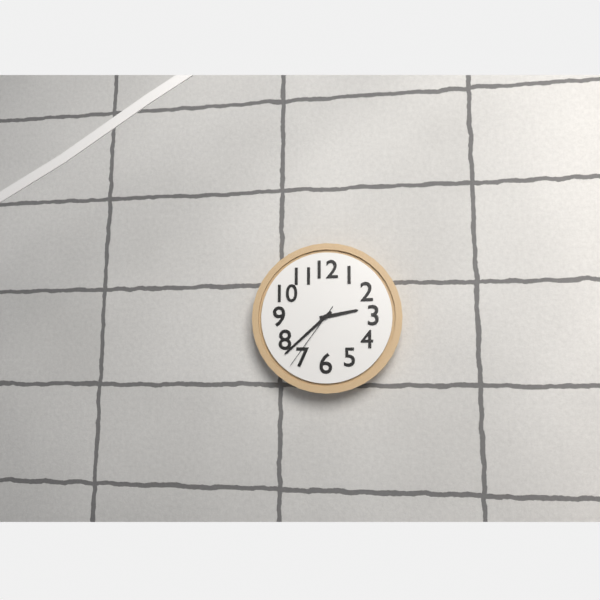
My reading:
{"hour": 2, "minute": 38, "second": 36}
